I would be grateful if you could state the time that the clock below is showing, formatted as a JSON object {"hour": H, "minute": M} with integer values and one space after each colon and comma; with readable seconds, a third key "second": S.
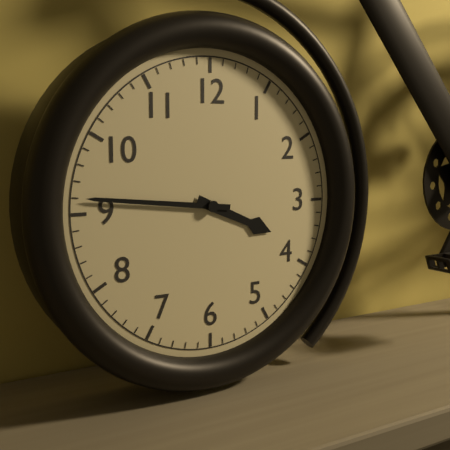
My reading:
{"hour": 3, "minute": 46}
